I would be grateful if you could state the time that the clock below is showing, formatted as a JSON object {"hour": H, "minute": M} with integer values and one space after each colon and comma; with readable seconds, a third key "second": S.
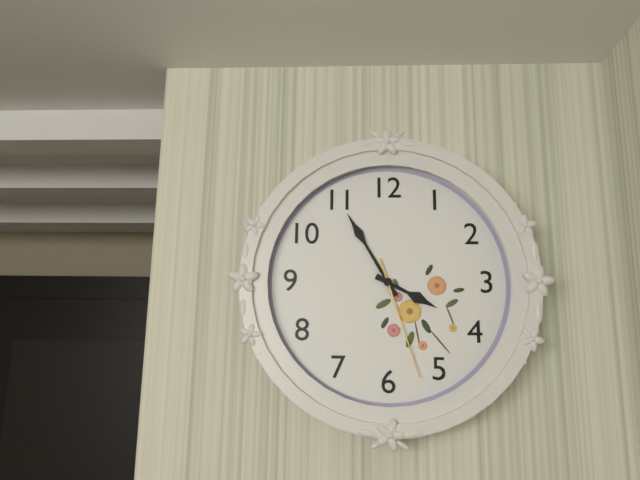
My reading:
{"hour": 3, "minute": 55, "second": 27}
